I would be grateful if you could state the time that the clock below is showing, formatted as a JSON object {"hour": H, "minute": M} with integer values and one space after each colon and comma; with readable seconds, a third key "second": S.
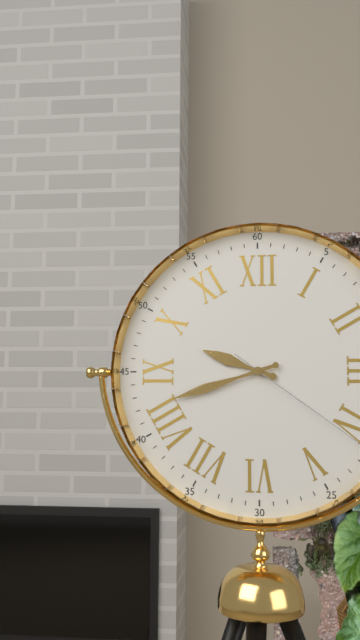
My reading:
{"hour": 9, "minute": 42}
